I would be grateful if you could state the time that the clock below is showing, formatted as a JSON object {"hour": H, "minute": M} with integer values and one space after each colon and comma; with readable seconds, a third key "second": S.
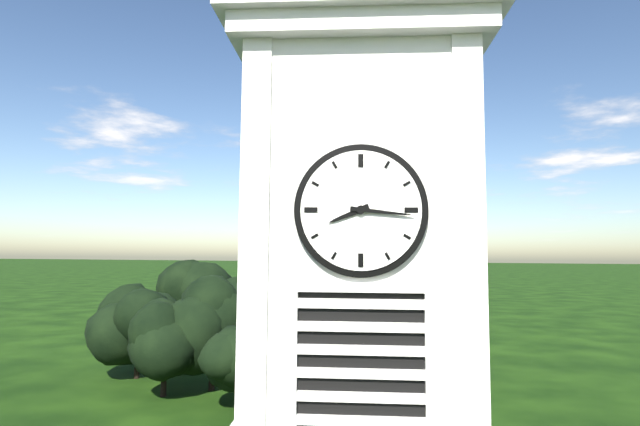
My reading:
{"hour": 8, "minute": 16}
